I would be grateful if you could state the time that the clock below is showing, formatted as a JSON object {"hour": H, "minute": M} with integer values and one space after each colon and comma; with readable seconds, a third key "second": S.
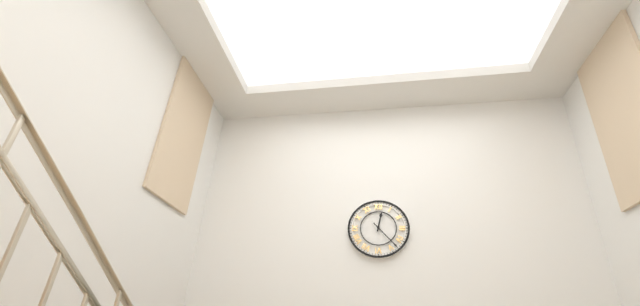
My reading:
{"hour": 12, "minute": 23}
